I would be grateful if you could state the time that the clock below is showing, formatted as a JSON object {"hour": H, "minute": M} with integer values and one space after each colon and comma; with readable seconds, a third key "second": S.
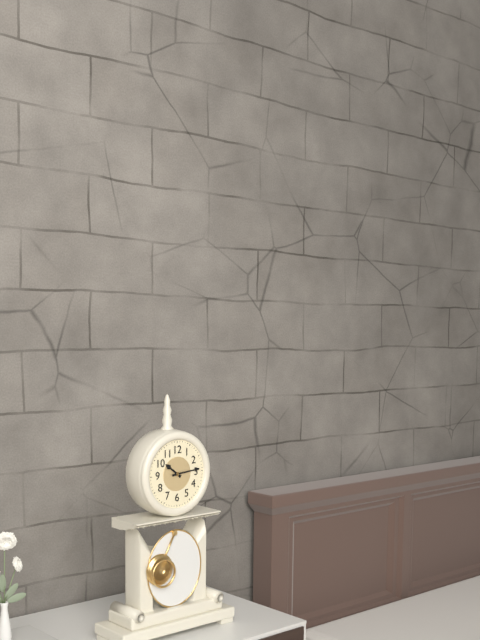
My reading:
{"hour": 10, "minute": 14}
